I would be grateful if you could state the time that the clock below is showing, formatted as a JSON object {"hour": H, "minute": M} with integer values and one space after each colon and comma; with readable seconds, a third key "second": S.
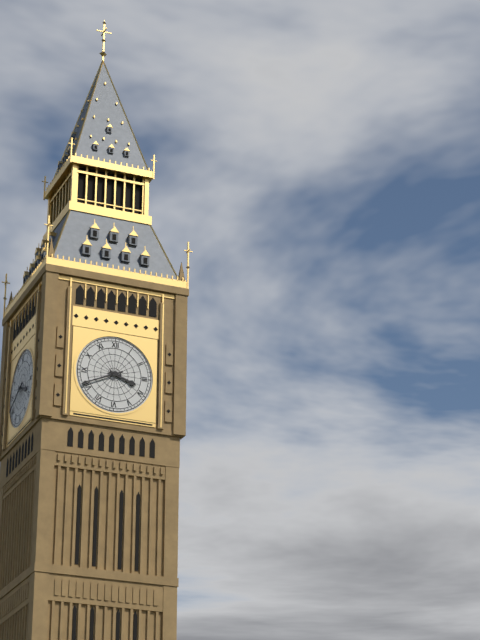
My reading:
{"hour": 3, "minute": 41}
